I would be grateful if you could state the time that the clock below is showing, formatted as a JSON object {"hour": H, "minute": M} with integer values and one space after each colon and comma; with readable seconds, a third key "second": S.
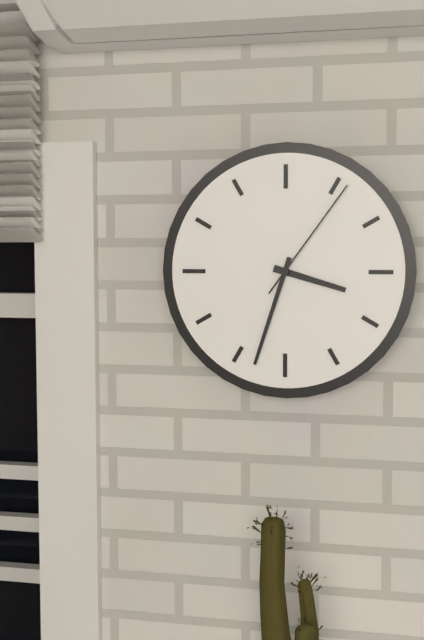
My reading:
{"hour": 3, "minute": 33, "second": 6}
